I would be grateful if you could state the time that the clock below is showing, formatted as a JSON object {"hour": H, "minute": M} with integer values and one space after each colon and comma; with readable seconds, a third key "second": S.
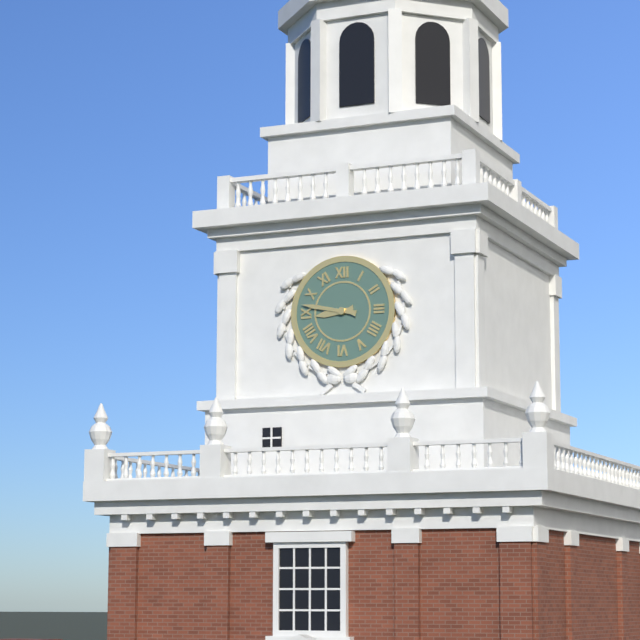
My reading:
{"hour": 8, "minute": 47}
